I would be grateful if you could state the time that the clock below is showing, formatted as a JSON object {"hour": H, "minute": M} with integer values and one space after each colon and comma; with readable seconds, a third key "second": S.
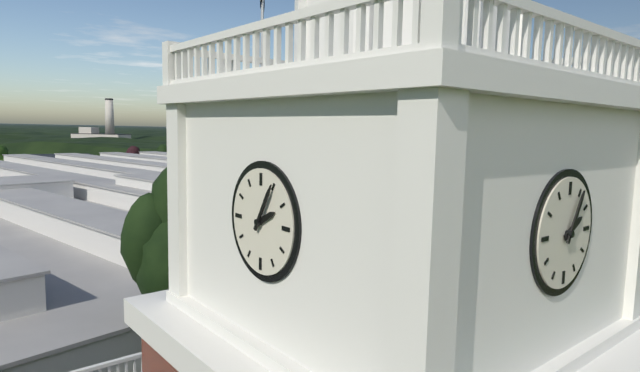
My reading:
{"hour": 2, "minute": 5}
